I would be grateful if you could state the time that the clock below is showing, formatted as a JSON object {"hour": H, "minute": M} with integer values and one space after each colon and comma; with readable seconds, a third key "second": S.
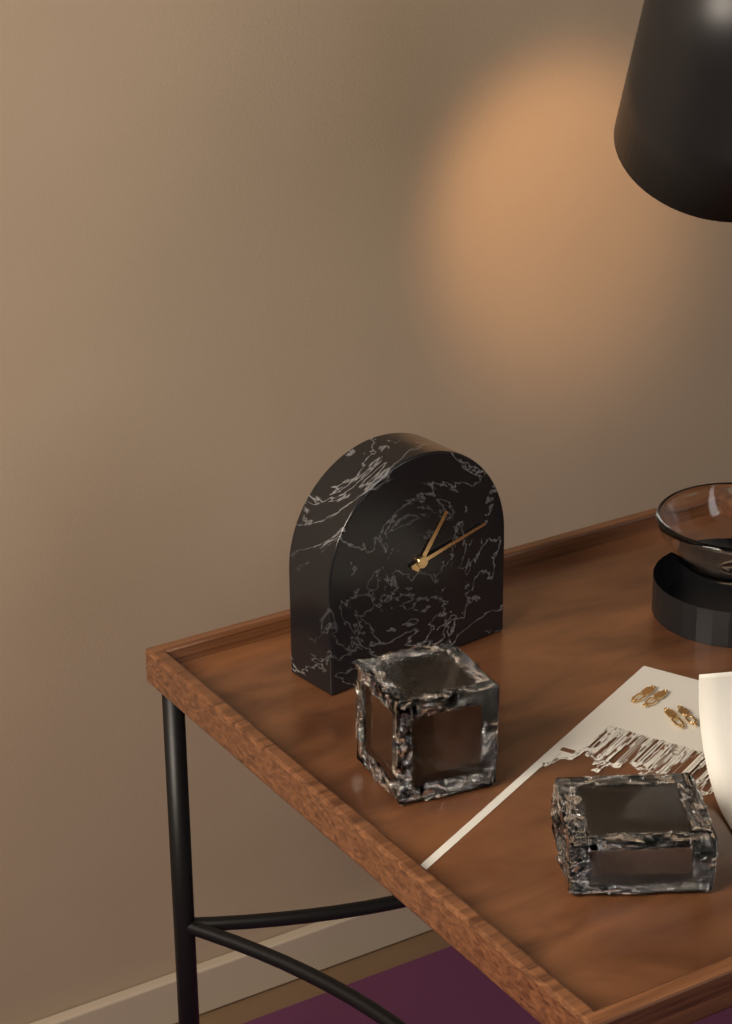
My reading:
{"hour": 1, "minute": 13}
